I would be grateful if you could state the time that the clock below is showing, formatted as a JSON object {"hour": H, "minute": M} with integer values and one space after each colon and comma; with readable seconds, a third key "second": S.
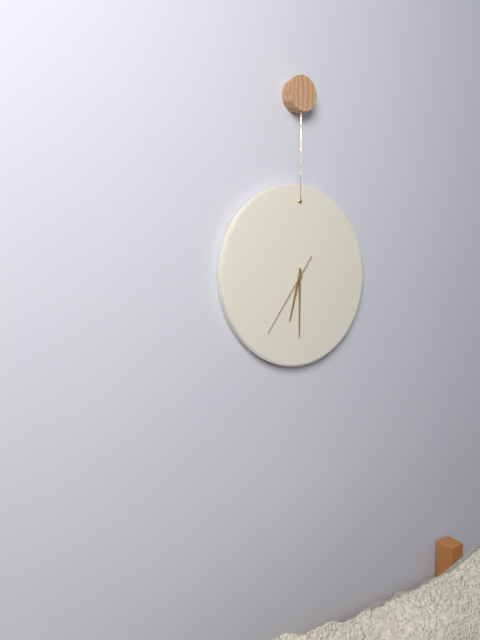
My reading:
{"hour": 6, "minute": 30, "second": 36}
